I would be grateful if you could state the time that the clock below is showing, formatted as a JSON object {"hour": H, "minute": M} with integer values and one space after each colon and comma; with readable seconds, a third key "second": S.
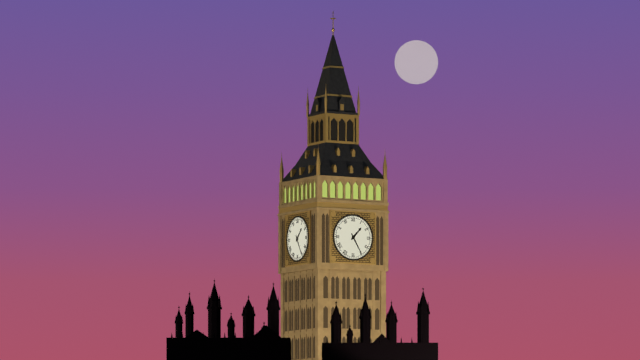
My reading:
{"hour": 1, "minute": 25}
